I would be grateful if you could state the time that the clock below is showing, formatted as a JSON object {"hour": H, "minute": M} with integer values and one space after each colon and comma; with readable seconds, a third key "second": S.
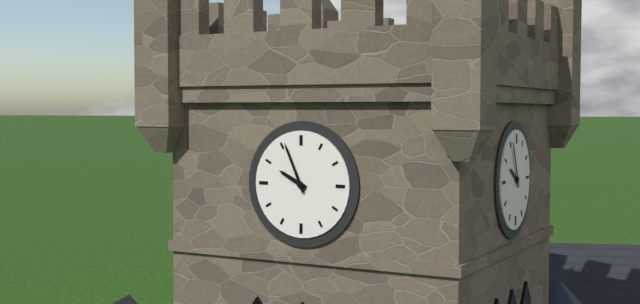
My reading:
{"hour": 9, "minute": 56}
